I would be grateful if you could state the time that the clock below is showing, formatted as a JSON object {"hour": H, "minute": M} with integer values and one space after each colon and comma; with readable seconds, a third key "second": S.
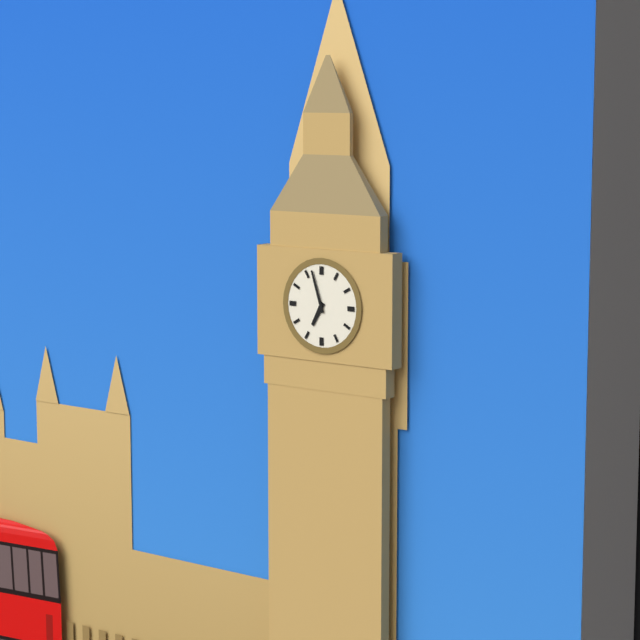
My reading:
{"hour": 6, "minute": 57}
